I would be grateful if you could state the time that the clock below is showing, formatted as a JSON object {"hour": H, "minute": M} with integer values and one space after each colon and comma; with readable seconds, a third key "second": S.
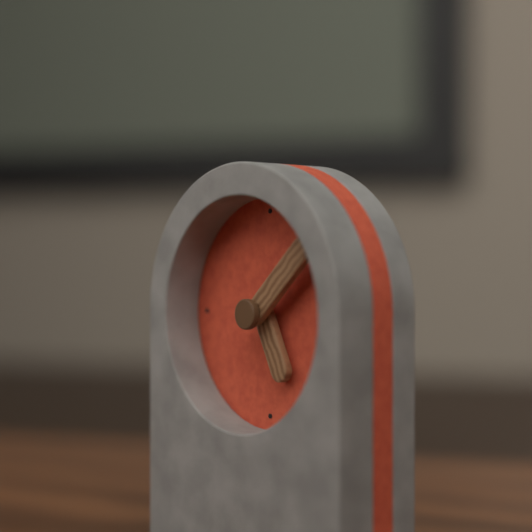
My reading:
{"hour": 5, "minute": 8}
